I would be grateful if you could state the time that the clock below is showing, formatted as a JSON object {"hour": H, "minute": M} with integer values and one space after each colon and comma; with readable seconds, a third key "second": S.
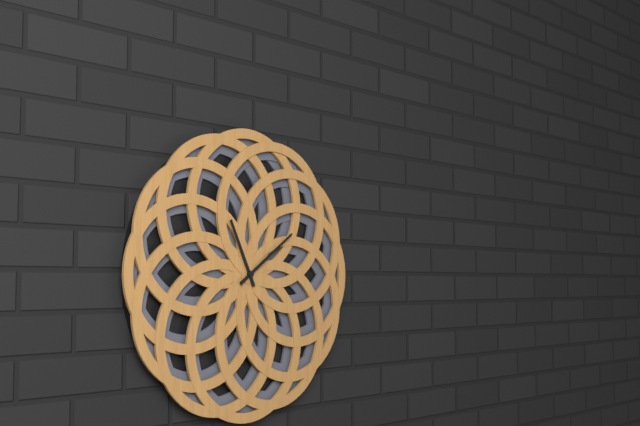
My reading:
{"hour": 11, "minute": 9}
